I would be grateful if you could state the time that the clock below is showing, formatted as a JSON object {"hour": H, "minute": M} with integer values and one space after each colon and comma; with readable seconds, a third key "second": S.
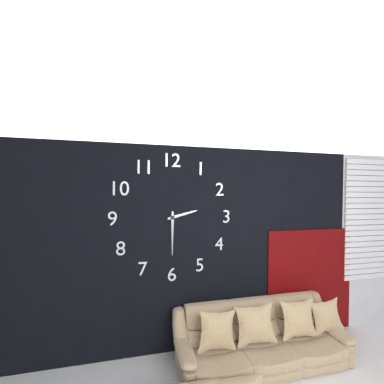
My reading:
{"hour": 2, "minute": 30}
